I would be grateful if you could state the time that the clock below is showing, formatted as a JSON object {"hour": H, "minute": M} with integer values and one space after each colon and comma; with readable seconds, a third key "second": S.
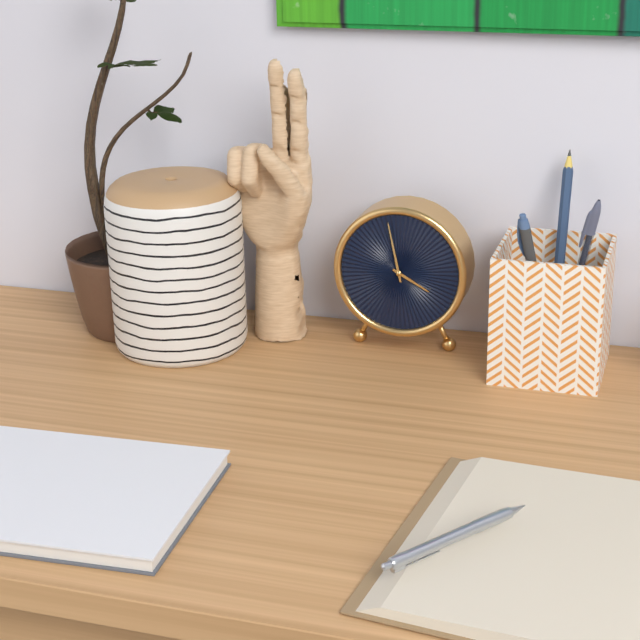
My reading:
{"hour": 3, "minute": 58}
